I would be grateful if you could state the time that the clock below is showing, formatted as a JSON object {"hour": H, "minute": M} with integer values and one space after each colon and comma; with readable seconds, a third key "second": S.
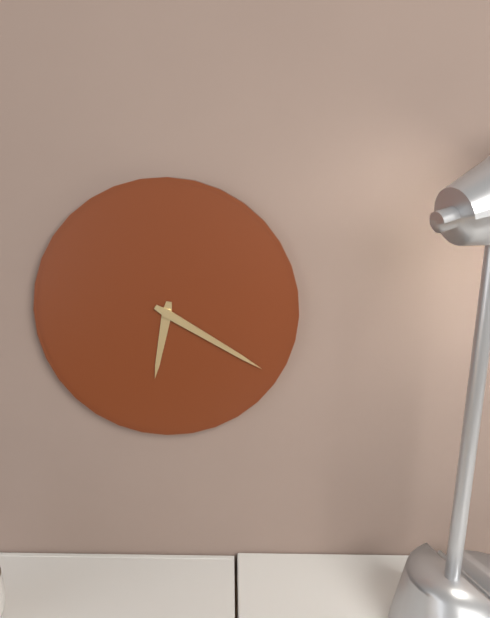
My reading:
{"hour": 6, "minute": 20}
